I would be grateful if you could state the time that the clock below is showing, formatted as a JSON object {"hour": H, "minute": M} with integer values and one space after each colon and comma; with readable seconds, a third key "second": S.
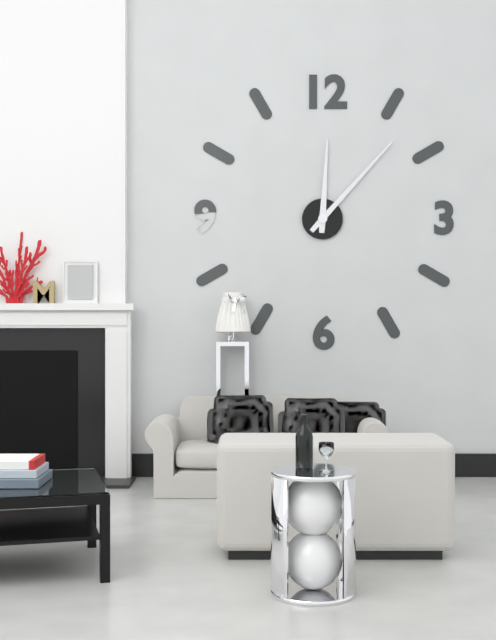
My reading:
{"hour": 12, "minute": 7}
